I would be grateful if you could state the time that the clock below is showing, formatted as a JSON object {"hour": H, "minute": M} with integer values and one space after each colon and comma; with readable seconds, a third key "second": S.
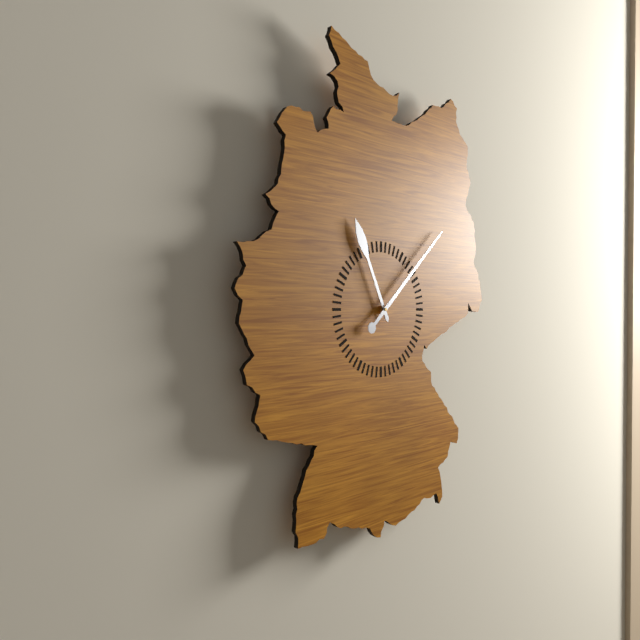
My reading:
{"hour": 11, "minute": 8}
